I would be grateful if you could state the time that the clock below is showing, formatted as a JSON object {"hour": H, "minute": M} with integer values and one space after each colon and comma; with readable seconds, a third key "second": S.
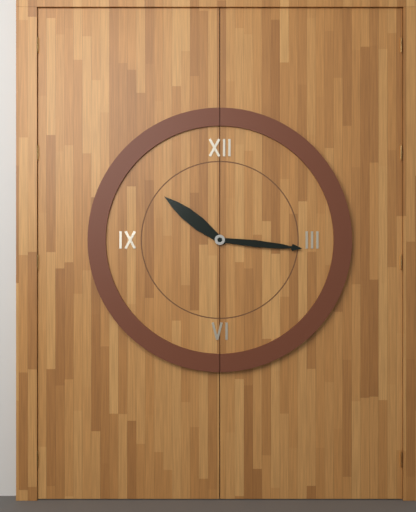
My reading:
{"hour": 10, "minute": 16}
